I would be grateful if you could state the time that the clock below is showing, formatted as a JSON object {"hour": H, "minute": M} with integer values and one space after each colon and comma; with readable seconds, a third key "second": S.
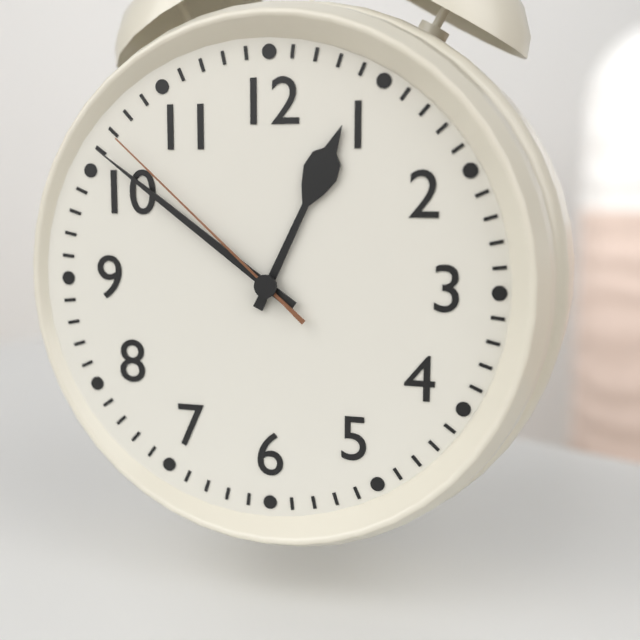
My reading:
{"hour": 12, "minute": 51, "second": 52}
